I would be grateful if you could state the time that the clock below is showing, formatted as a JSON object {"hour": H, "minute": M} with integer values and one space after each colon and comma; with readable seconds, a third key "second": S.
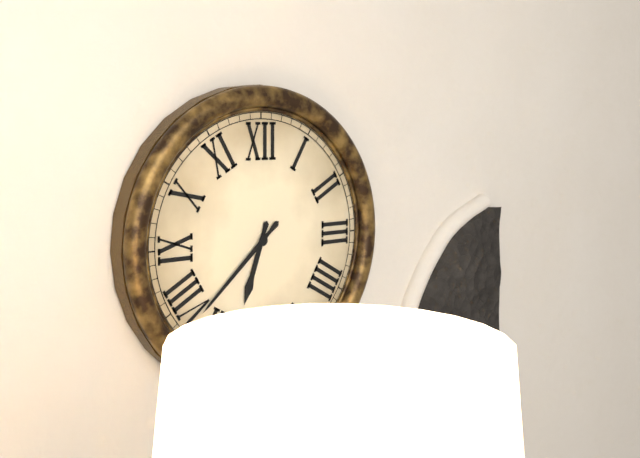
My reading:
{"hour": 6, "minute": 38}
